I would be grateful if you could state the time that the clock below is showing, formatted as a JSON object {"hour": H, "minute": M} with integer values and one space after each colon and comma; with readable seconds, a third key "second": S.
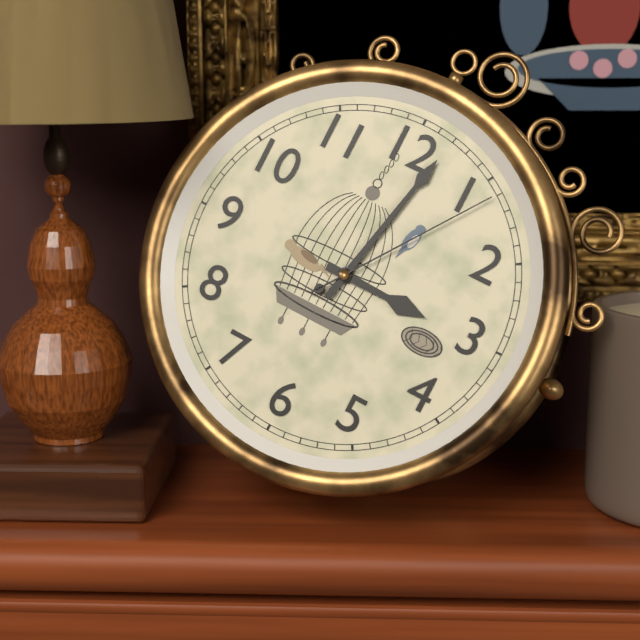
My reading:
{"hour": 3, "minute": 2, "second": 6}
